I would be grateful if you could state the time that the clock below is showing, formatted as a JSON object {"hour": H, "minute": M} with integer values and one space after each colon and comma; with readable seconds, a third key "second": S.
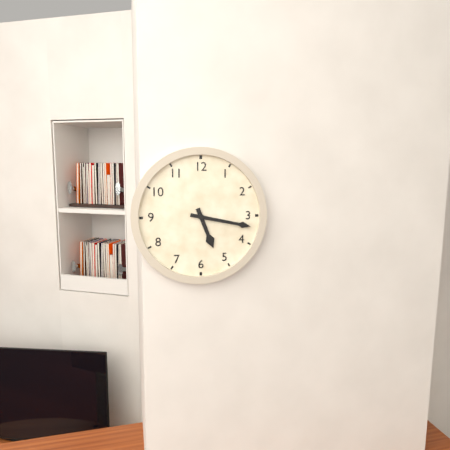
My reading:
{"hour": 5, "minute": 17}
